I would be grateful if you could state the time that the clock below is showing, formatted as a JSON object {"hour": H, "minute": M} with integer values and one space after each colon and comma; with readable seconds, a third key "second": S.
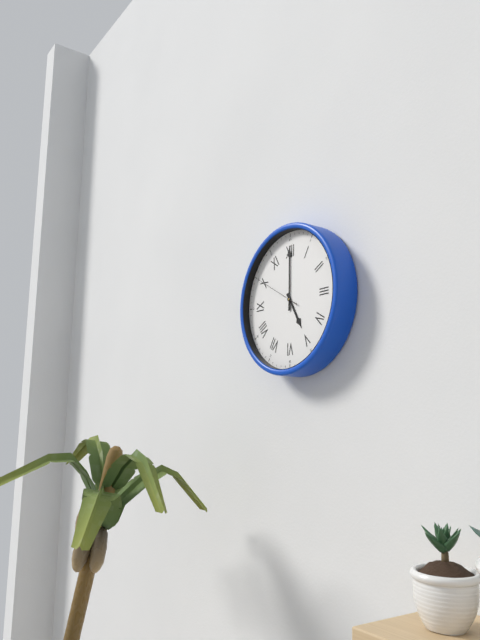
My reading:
{"hour": 5, "minute": 0}
